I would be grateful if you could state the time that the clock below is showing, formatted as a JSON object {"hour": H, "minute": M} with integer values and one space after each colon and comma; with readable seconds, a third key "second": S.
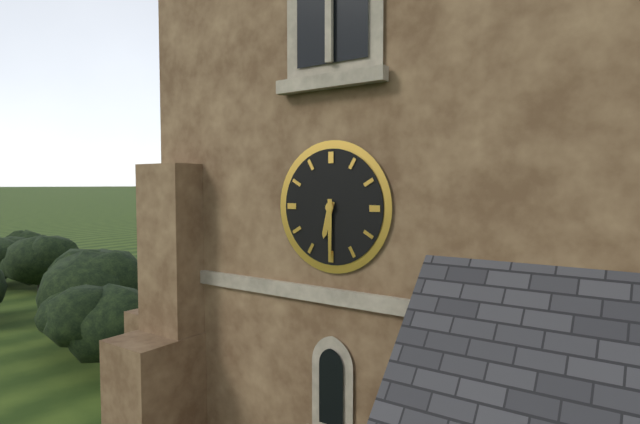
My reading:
{"hour": 6, "minute": 30}
